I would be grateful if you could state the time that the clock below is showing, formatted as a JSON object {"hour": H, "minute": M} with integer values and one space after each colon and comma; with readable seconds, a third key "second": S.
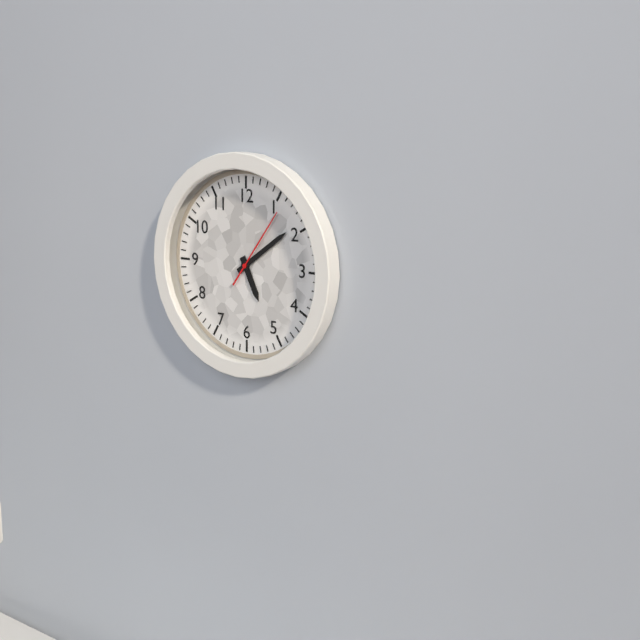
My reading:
{"hour": 5, "minute": 9, "second": 6}
